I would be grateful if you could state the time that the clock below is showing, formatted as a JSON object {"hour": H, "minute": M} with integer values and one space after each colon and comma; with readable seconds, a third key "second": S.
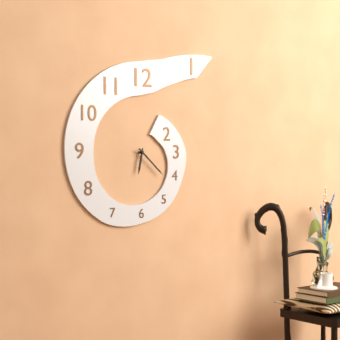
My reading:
{"hour": 6, "minute": 22}
